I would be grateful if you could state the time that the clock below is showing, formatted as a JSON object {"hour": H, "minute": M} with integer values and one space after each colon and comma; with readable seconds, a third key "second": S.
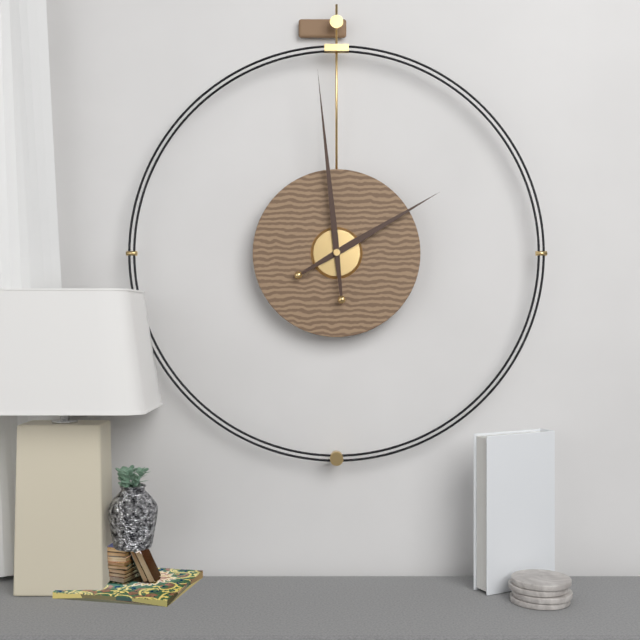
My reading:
{"hour": 1, "minute": 59}
